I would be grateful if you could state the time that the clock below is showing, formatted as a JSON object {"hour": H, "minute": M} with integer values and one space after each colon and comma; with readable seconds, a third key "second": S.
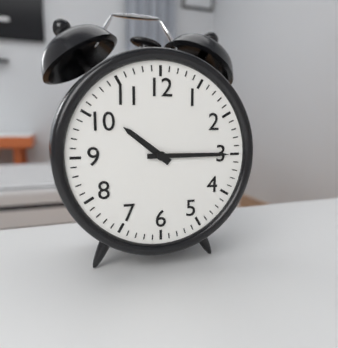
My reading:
{"hour": 10, "minute": 15}
